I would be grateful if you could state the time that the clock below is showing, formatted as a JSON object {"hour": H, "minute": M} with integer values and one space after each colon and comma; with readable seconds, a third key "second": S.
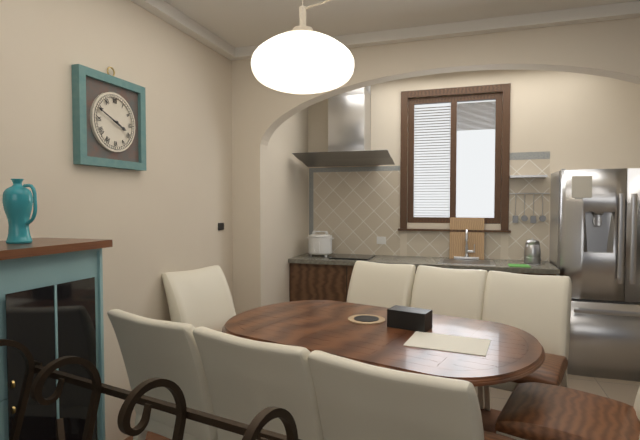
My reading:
{"hour": 3, "minute": 49}
